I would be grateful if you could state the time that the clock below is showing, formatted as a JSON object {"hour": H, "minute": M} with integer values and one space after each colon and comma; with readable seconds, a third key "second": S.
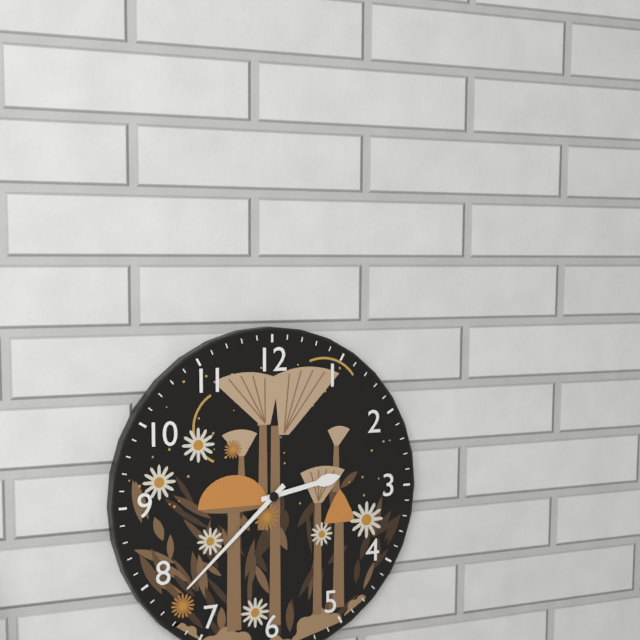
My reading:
{"hour": 2, "minute": 38}
